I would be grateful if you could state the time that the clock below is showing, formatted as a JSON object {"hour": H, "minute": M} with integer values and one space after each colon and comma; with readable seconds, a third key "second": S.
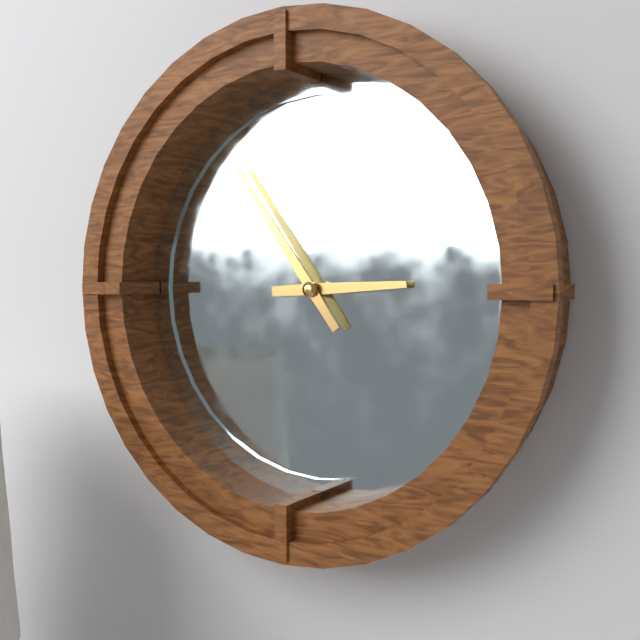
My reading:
{"hour": 2, "minute": 54}
